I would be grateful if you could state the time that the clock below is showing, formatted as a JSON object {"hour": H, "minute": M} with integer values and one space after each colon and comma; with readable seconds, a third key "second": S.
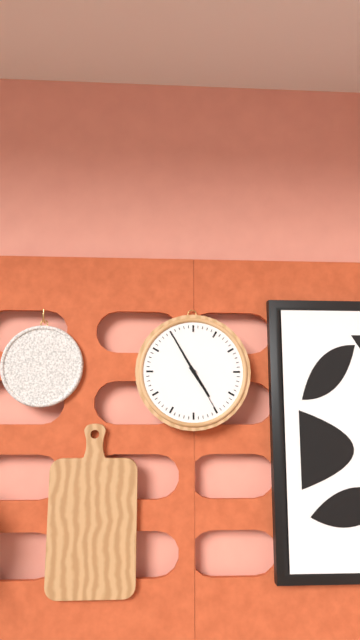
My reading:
{"hour": 4, "minute": 55, "second": 25}
